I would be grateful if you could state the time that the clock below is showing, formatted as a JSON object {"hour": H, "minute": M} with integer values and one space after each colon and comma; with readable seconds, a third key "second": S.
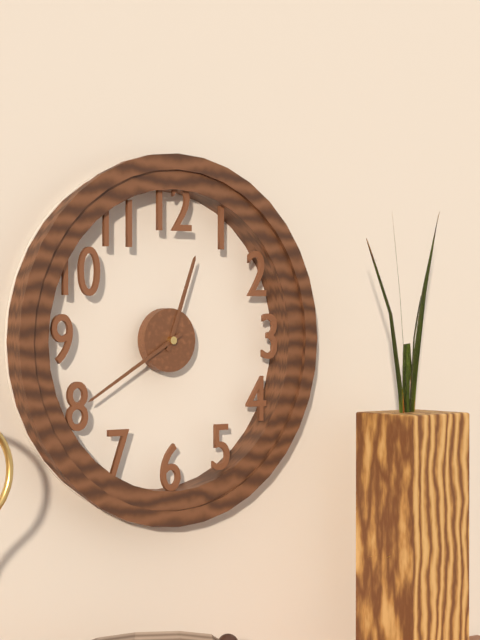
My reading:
{"hour": 12, "minute": 40}
